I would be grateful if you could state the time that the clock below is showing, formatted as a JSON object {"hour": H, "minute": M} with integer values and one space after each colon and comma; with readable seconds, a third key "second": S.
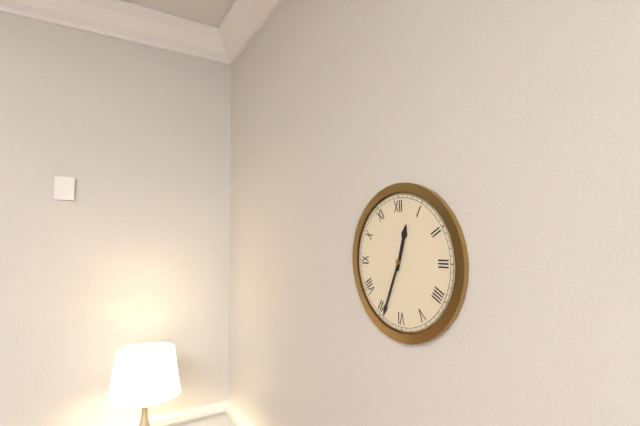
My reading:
{"hour": 12, "minute": 34}
